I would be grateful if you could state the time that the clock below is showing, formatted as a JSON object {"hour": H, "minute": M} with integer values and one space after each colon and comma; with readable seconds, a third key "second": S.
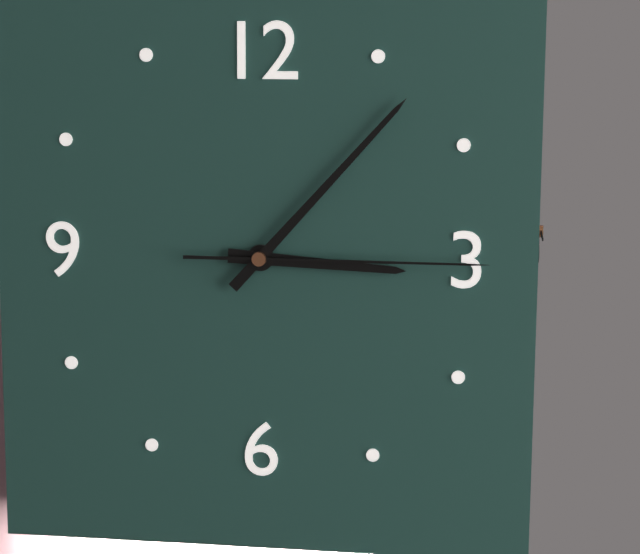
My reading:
{"hour": 3, "minute": 7, "second": 15}
